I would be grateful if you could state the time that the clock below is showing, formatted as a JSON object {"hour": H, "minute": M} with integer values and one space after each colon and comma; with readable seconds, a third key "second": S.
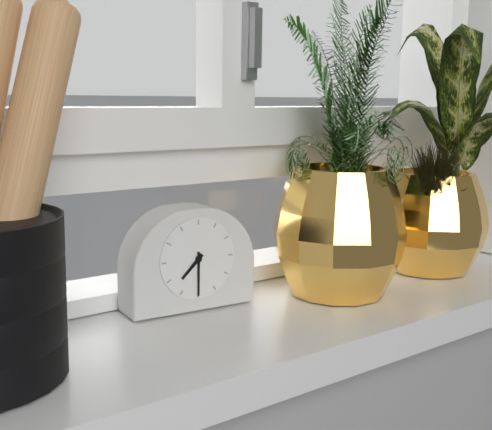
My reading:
{"hour": 7, "minute": 30}
